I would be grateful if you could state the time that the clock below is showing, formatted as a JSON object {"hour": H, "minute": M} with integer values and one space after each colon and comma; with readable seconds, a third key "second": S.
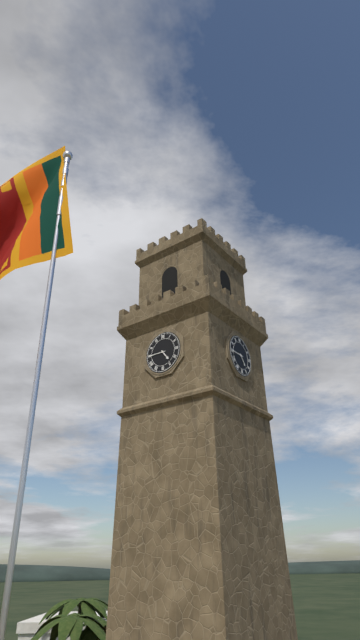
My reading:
{"hour": 4, "minute": 45}
